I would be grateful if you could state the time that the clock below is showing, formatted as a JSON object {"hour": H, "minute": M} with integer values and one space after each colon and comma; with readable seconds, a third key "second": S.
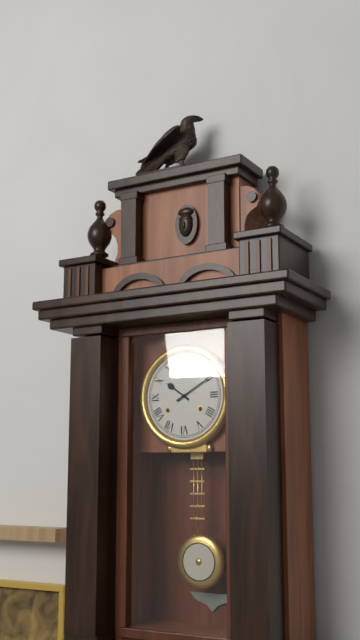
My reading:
{"hour": 10, "minute": 10}
